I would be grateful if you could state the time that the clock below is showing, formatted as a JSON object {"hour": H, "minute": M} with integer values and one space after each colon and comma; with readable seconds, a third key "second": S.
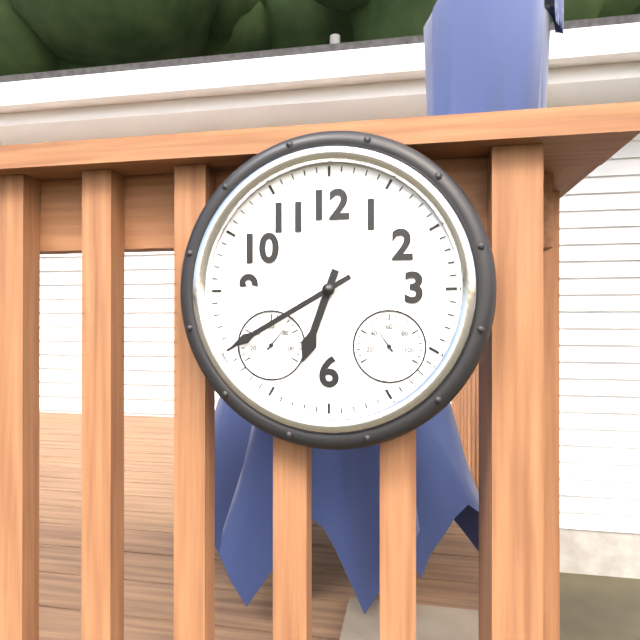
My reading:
{"hour": 6, "minute": 40}
